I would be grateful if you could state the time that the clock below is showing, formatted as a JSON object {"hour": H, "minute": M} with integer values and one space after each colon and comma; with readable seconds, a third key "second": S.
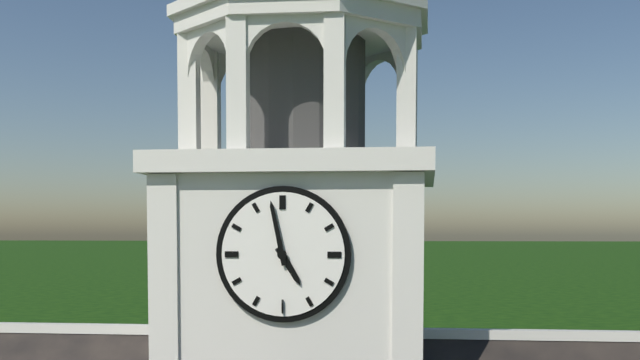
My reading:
{"hour": 4, "minute": 58}
